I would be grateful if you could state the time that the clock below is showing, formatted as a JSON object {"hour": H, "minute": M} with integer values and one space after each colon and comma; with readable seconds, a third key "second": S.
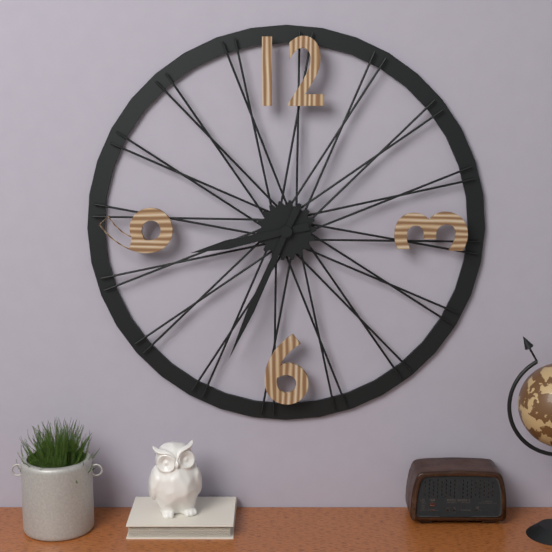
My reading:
{"hour": 8, "minute": 34}
